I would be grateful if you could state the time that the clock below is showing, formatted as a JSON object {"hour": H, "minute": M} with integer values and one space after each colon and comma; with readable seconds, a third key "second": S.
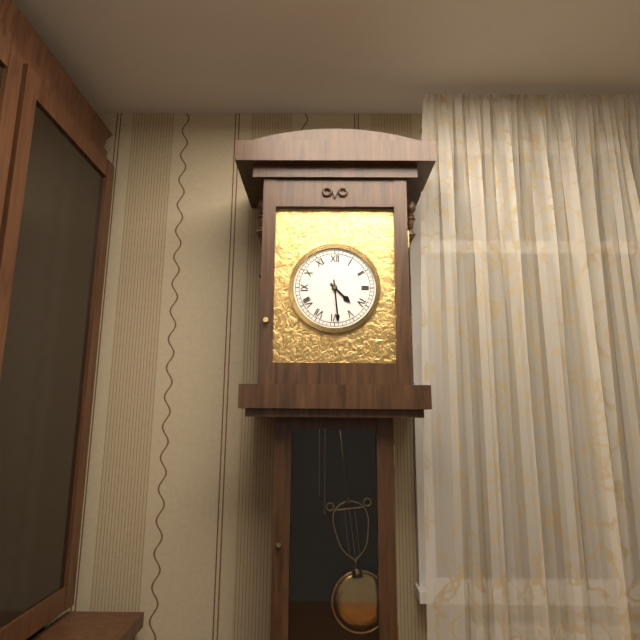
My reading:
{"hour": 4, "minute": 29}
